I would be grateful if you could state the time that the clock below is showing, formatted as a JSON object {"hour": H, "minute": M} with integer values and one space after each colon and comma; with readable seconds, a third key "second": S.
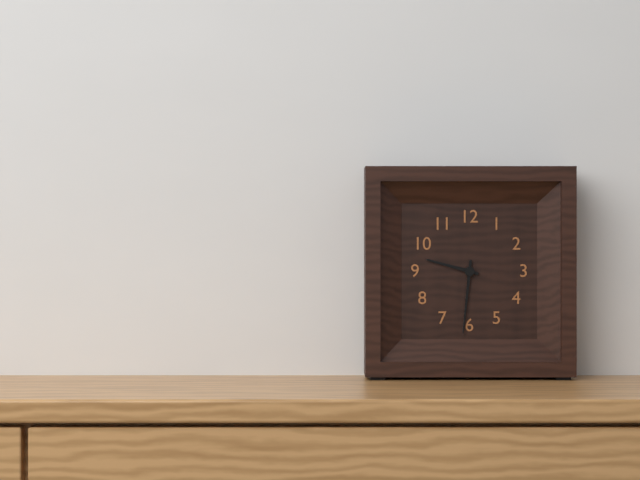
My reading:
{"hour": 9, "minute": 31}
